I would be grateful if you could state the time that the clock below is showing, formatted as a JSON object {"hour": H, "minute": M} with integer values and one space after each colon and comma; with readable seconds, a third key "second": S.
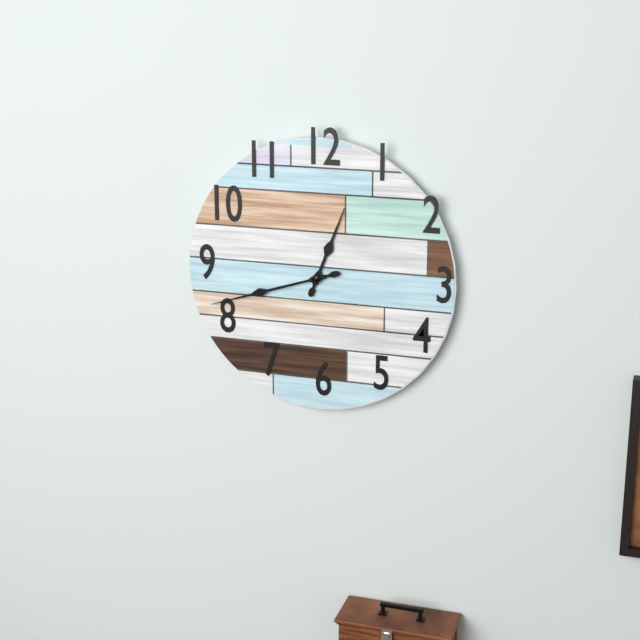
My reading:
{"hour": 12, "minute": 42}
